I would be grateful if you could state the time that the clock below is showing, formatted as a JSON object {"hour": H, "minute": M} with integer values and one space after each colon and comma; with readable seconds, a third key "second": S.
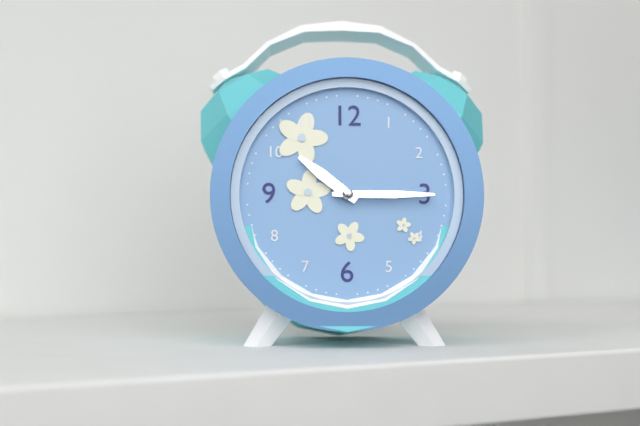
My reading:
{"hour": 10, "minute": 15}
